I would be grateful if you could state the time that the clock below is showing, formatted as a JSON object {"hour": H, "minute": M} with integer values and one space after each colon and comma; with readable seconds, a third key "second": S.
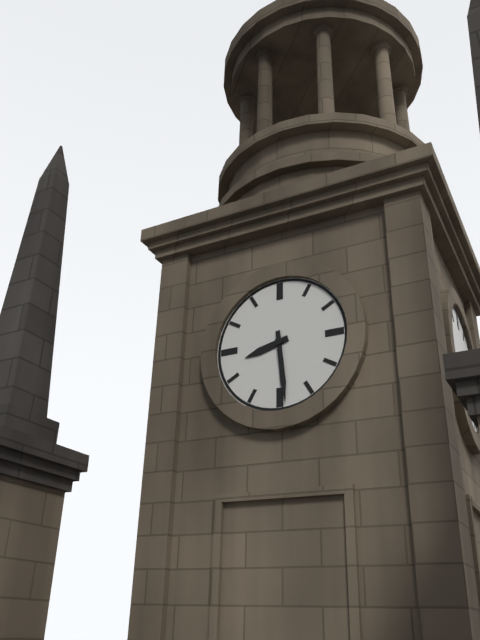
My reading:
{"hour": 8, "minute": 29}
